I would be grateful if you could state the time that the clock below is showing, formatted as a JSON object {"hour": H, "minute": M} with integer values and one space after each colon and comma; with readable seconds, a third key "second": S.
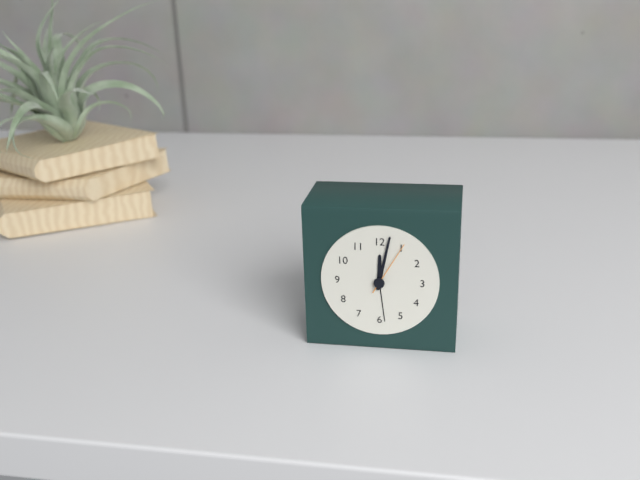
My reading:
{"hour": 12, "minute": 2, "second": 5}
